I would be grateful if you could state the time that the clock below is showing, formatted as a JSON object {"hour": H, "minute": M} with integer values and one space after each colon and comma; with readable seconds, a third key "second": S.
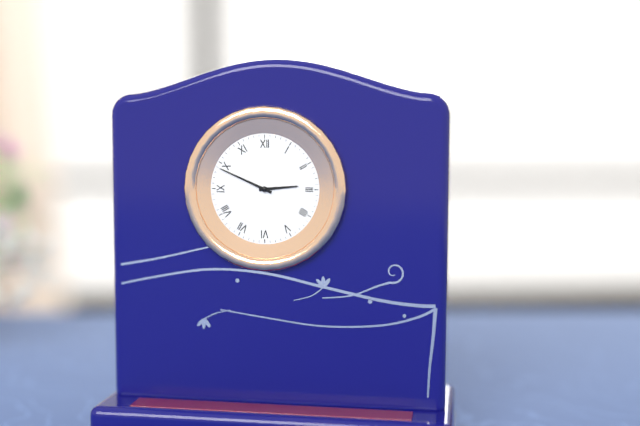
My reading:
{"hour": 2, "minute": 49}
